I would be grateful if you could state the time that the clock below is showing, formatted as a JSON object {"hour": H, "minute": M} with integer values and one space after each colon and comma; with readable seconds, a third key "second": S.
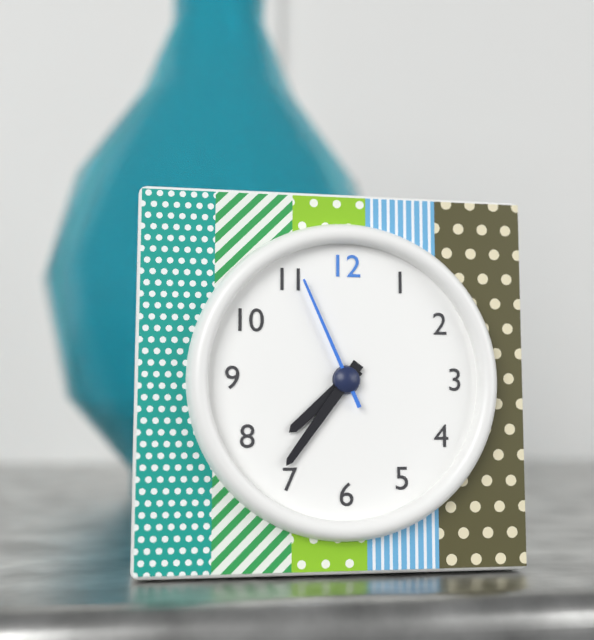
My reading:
{"hour": 7, "minute": 36, "second": 56}
